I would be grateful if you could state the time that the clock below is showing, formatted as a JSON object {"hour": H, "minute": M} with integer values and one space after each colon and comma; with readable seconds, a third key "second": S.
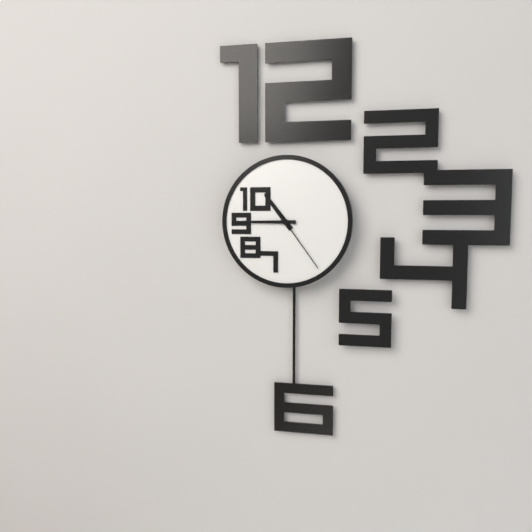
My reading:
{"hour": 10, "minute": 45, "second": 24}
